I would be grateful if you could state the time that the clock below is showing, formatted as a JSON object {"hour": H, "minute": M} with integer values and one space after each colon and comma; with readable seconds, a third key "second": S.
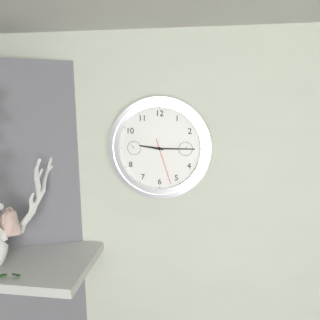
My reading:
{"hour": 9, "minute": 15}
